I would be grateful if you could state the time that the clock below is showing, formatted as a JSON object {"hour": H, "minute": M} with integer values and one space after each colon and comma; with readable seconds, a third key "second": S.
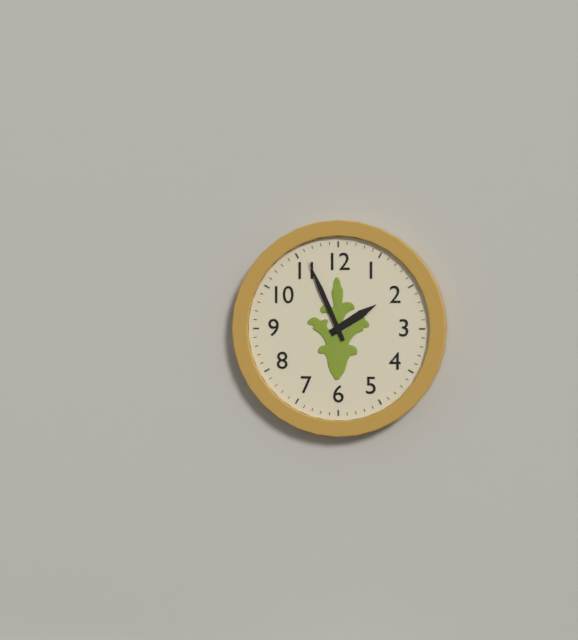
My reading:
{"hour": 1, "minute": 56}
